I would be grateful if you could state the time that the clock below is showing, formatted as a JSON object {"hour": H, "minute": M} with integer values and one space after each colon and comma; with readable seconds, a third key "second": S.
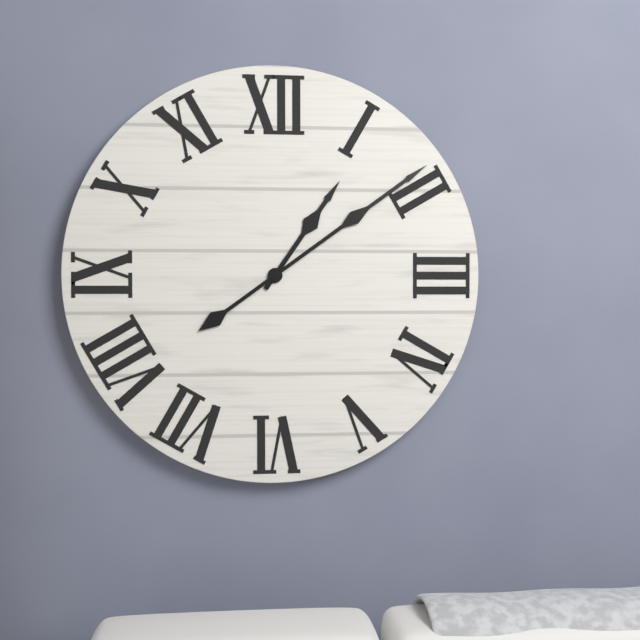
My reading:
{"hour": 1, "minute": 9}
